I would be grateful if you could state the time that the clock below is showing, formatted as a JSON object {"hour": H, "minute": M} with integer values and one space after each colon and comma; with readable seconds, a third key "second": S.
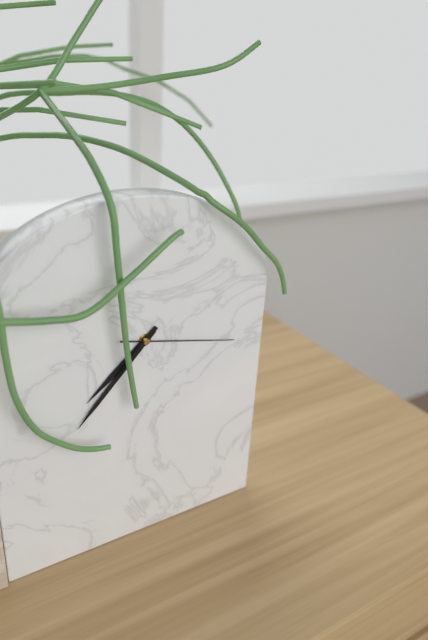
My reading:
{"hour": 7, "minute": 37, "second": 17}
